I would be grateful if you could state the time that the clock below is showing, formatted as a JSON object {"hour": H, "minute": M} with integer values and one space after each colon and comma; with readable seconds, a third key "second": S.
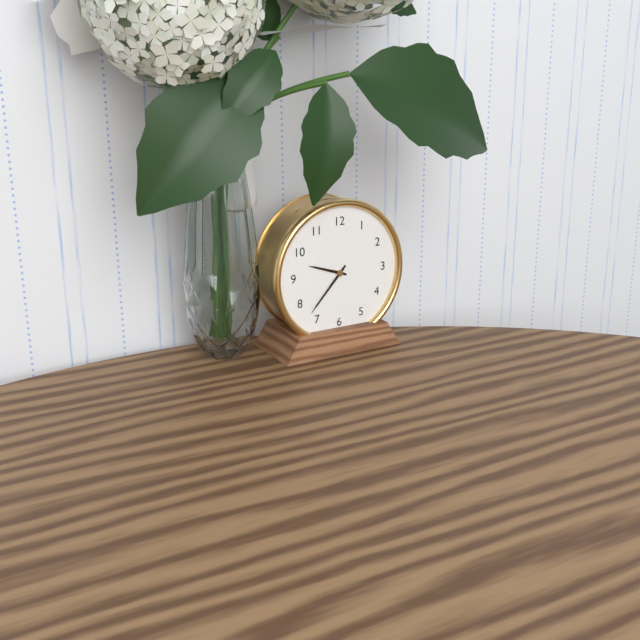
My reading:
{"hour": 9, "minute": 37}
